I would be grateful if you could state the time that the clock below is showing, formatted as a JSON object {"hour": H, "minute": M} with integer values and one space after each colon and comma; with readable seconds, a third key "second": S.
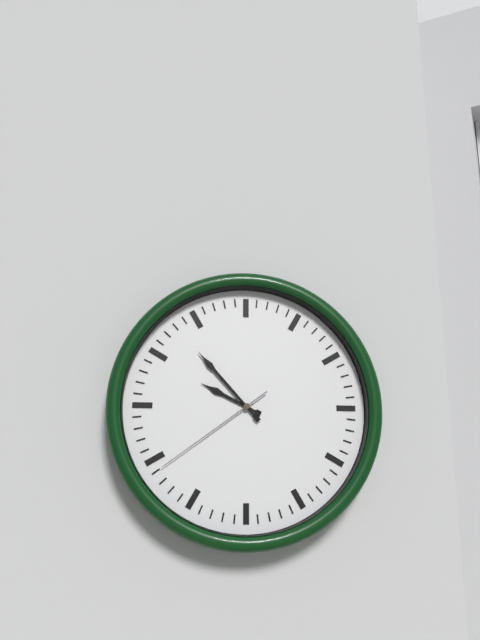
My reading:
{"hour": 9, "minute": 53, "second": 39}
